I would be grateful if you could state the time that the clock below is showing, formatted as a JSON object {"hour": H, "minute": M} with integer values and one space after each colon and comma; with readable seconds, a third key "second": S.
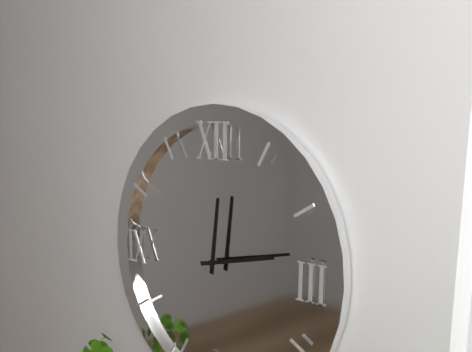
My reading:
{"hour": 12, "minute": 13}
